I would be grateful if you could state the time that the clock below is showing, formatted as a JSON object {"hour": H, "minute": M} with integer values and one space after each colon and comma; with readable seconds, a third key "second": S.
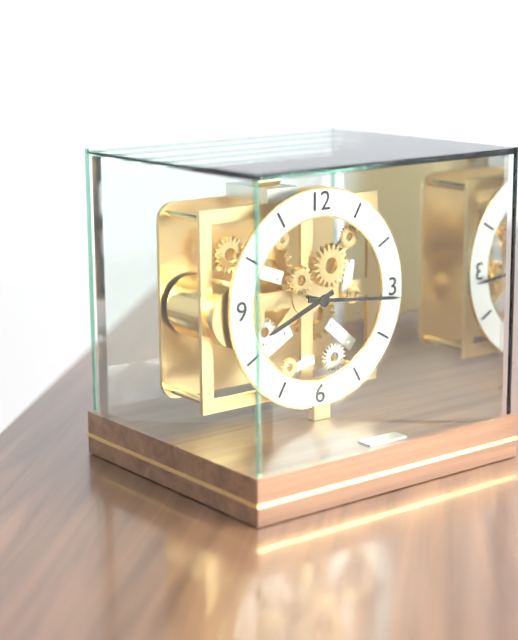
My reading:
{"hour": 8, "minute": 16}
